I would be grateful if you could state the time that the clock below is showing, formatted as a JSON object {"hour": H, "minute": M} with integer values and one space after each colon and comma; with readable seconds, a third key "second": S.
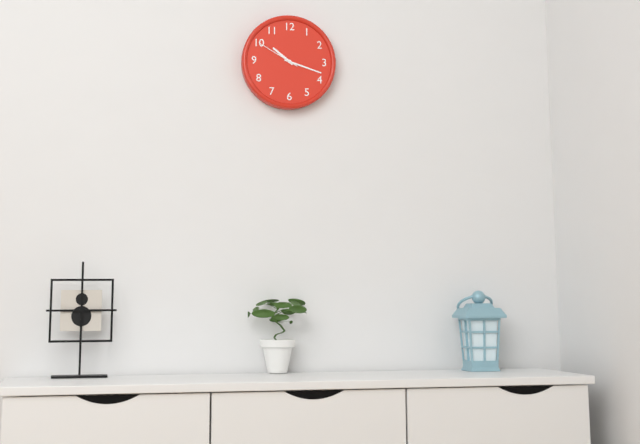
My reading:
{"hour": 10, "minute": 18}
